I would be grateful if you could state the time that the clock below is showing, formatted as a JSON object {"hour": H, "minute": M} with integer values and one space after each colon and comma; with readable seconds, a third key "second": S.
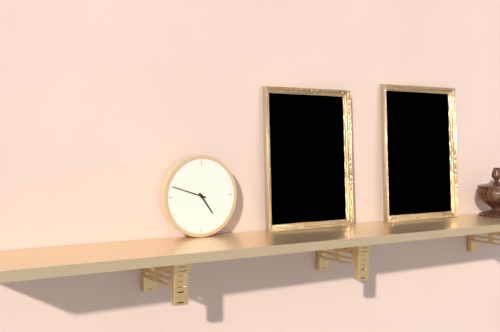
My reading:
{"hour": 4, "minute": 48}
